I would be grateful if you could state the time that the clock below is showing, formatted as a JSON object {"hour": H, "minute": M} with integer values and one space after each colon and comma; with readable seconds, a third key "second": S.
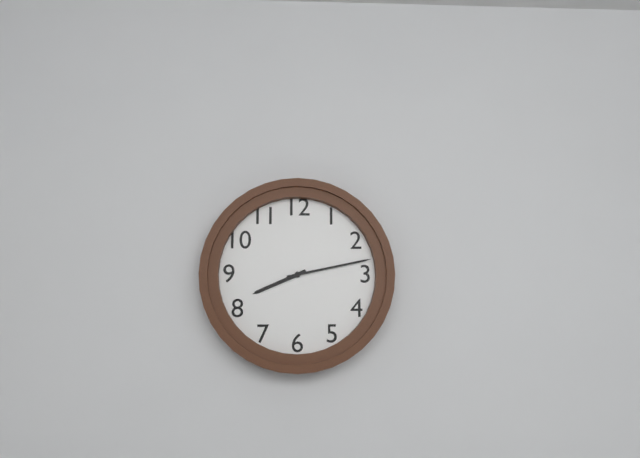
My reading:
{"hour": 8, "minute": 13}
